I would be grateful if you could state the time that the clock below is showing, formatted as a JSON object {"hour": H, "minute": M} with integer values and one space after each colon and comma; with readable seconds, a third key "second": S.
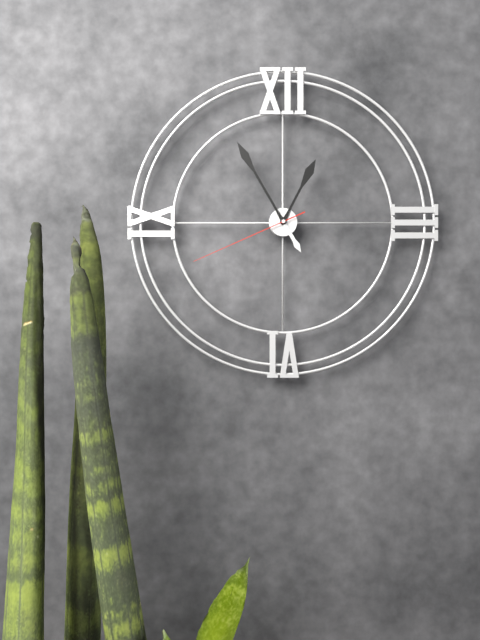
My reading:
{"hour": 12, "minute": 55, "second": 41}
